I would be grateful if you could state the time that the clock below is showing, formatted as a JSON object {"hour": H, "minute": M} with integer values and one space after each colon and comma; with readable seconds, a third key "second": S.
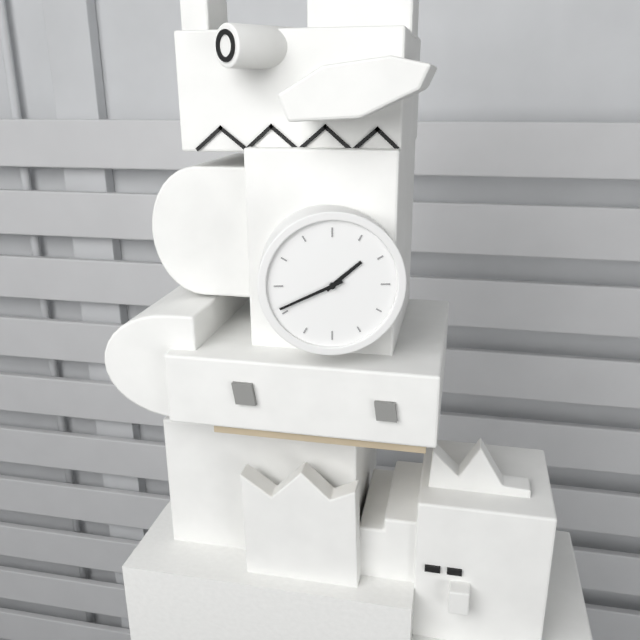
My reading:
{"hour": 1, "minute": 41}
